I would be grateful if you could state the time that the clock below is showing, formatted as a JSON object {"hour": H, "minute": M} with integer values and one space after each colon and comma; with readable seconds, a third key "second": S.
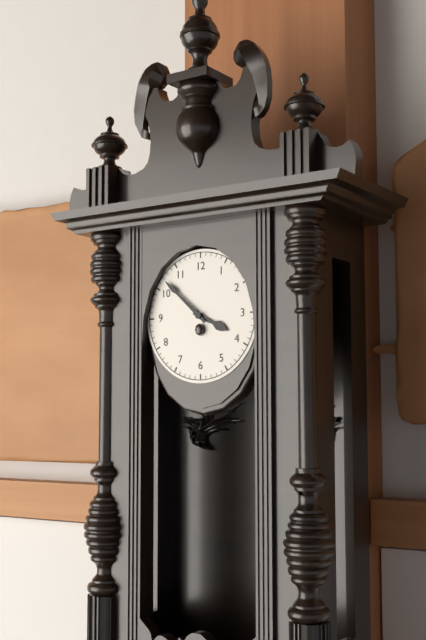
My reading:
{"hour": 3, "minute": 52}
